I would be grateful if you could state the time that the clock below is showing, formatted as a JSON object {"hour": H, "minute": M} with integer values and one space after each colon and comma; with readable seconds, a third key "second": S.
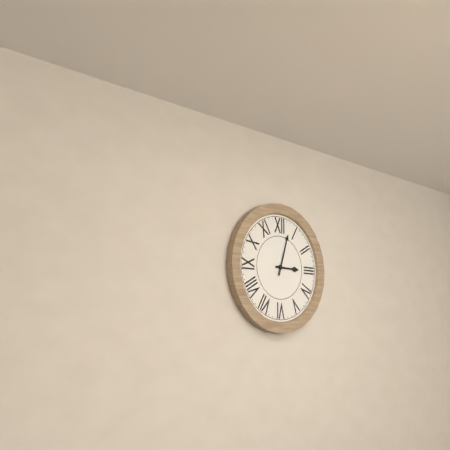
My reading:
{"hour": 3, "minute": 3}
